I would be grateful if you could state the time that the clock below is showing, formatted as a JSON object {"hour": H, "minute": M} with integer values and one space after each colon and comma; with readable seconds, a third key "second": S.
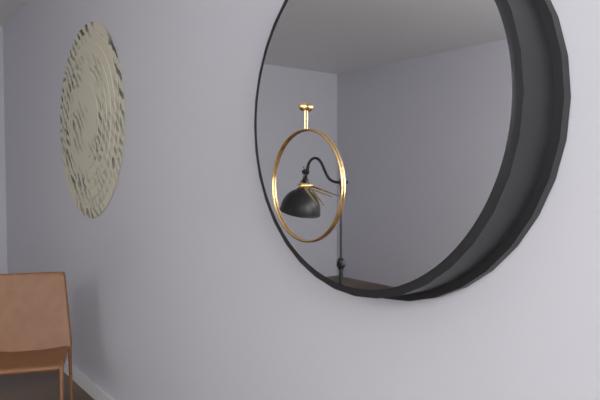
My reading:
{"hour": 4, "minute": 17}
